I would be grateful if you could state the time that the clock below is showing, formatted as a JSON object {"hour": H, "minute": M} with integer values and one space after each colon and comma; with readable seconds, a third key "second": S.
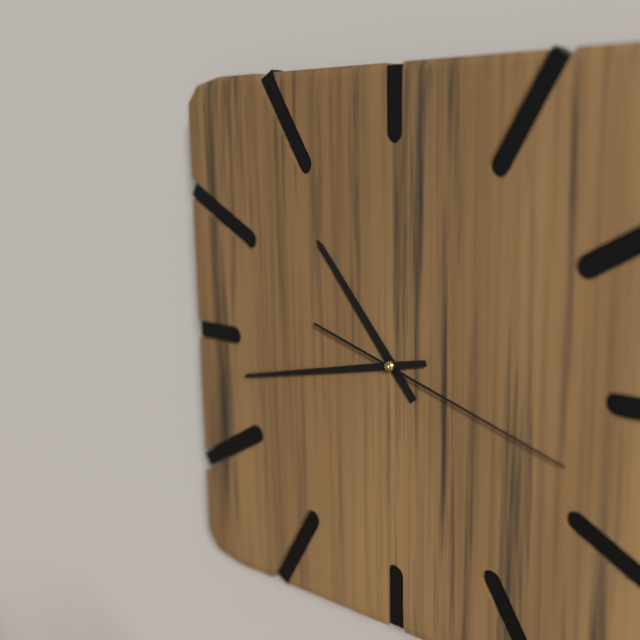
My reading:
{"hour": 10, "minute": 43, "second": 18}
